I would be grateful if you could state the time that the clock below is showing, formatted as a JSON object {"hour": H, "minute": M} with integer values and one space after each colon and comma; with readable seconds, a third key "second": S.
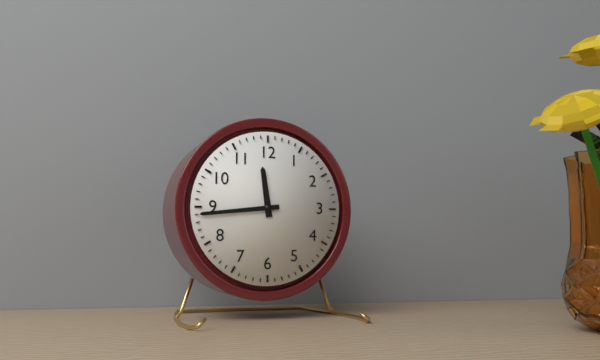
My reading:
{"hour": 11, "minute": 44}
